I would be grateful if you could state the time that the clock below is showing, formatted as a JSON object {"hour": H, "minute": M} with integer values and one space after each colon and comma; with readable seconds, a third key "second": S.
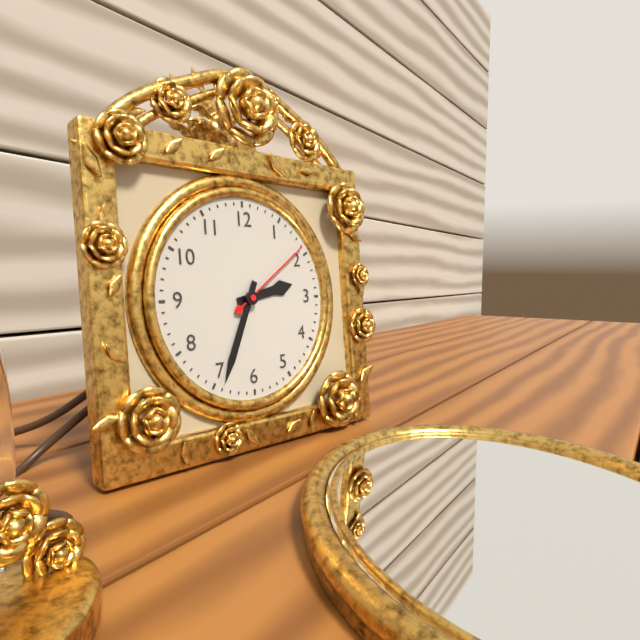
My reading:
{"hour": 2, "minute": 34, "second": 9}
